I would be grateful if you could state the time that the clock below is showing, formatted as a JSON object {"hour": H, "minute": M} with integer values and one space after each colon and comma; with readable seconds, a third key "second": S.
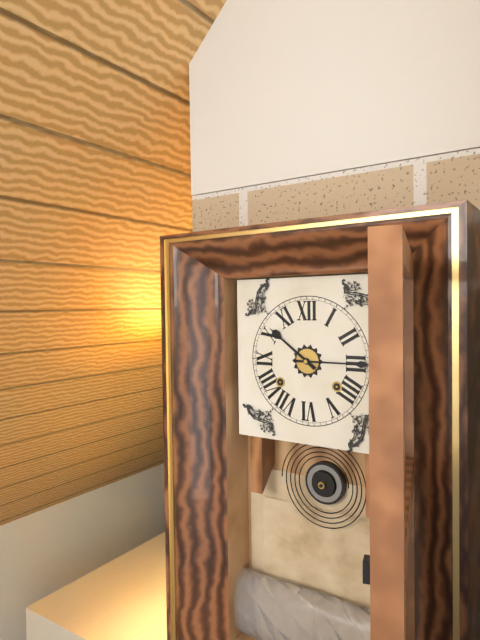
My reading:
{"hour": 10, "minute": 15}
